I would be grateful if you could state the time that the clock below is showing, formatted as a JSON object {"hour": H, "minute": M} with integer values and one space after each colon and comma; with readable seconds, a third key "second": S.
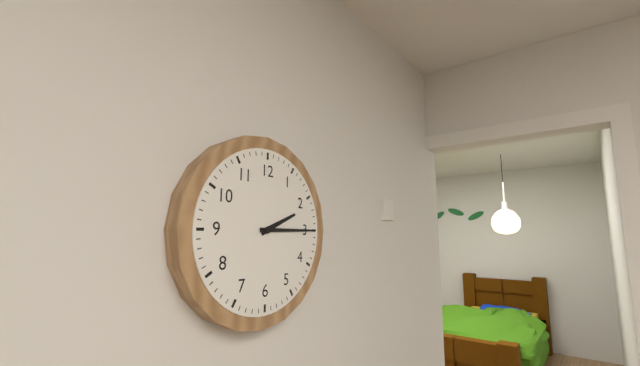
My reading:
{"hour": 2, "minute": 15}
